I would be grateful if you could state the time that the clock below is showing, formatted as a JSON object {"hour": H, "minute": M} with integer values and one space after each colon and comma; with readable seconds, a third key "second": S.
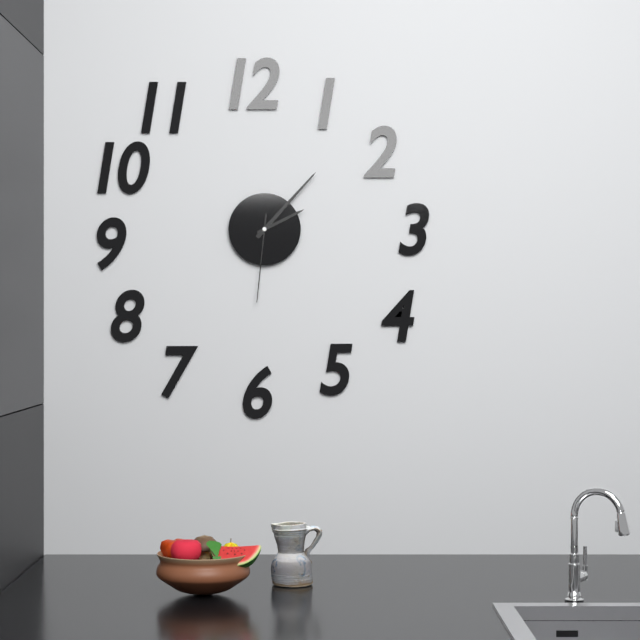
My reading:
{"hour": 2, "minute": 7, "second": 31}
